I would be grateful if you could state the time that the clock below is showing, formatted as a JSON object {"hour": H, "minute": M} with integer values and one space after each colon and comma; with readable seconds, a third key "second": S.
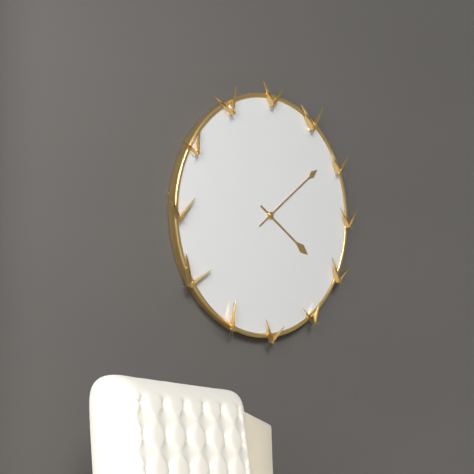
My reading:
{"hour": 4, "minute": 9}
